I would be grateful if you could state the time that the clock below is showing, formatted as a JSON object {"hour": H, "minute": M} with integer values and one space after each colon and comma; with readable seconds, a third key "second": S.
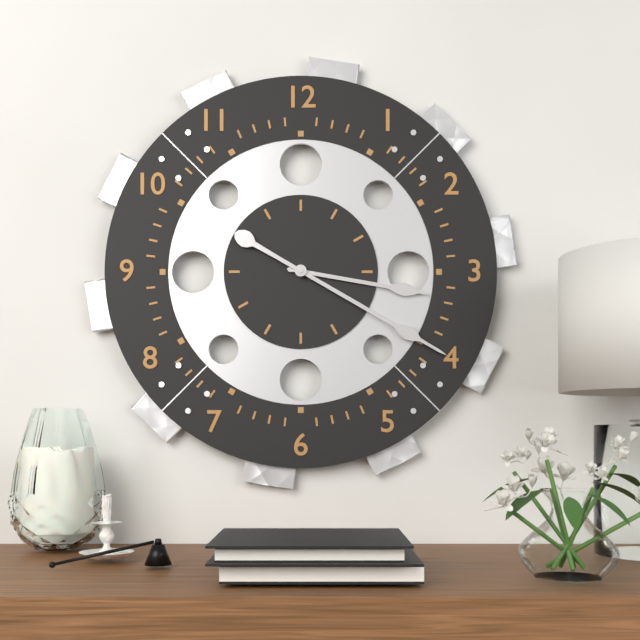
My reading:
{"hour": 3, "minute": 20}
